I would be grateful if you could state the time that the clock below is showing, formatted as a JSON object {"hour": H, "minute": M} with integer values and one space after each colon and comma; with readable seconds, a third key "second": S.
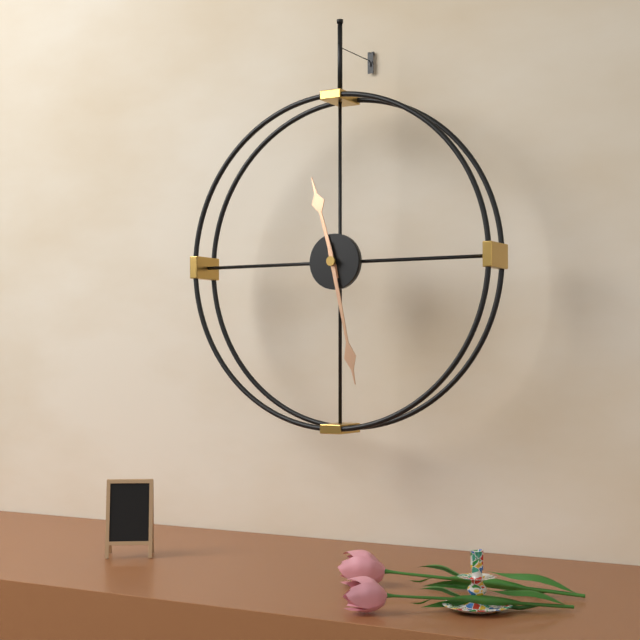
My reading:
{"hour": 11, "minute": 28}
